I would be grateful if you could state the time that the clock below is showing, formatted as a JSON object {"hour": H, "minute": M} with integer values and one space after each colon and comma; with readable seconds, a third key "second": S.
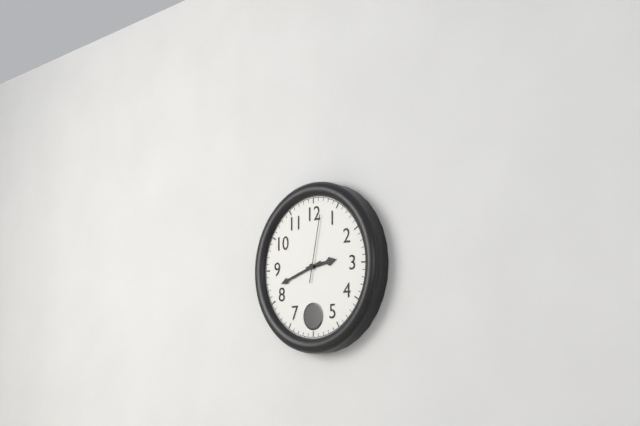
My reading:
{"hour": 2, "minute": 42, "second": 2}
